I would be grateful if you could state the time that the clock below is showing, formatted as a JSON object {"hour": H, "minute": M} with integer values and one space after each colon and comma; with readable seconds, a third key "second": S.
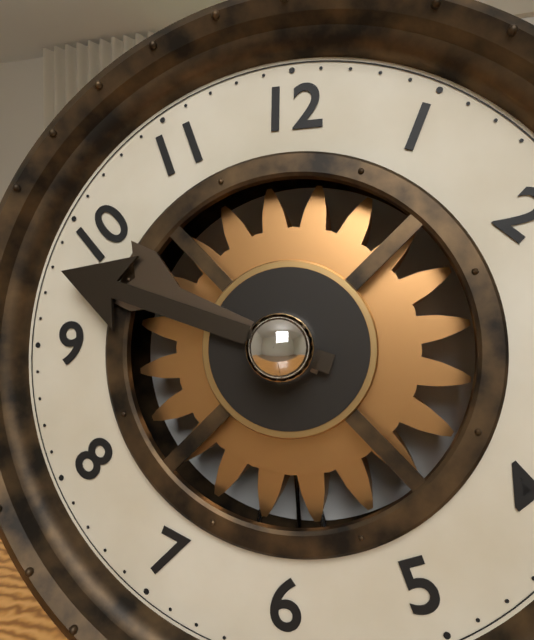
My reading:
{"hour": 9, "minute": 48}
